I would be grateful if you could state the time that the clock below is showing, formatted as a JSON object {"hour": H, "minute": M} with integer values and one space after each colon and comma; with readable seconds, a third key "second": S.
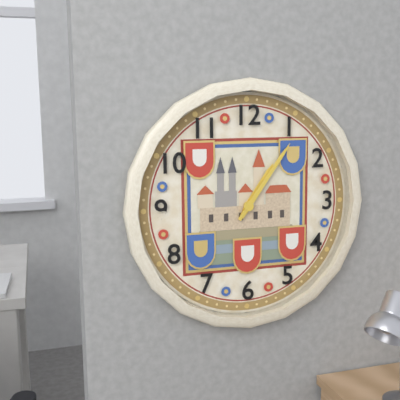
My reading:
{"hour": 1, "minute": 6}
